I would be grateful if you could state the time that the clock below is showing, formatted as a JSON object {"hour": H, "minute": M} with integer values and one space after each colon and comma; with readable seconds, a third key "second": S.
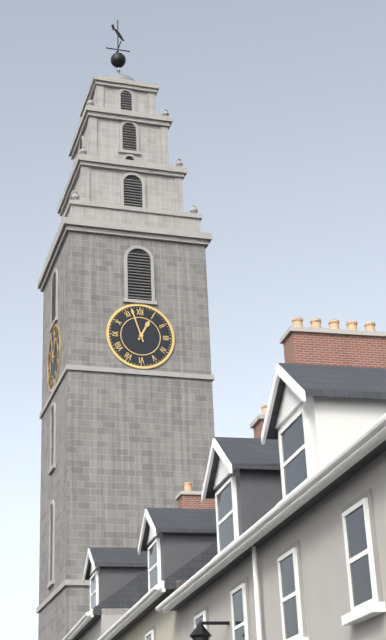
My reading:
{"hour": 12, "minute": 57}
